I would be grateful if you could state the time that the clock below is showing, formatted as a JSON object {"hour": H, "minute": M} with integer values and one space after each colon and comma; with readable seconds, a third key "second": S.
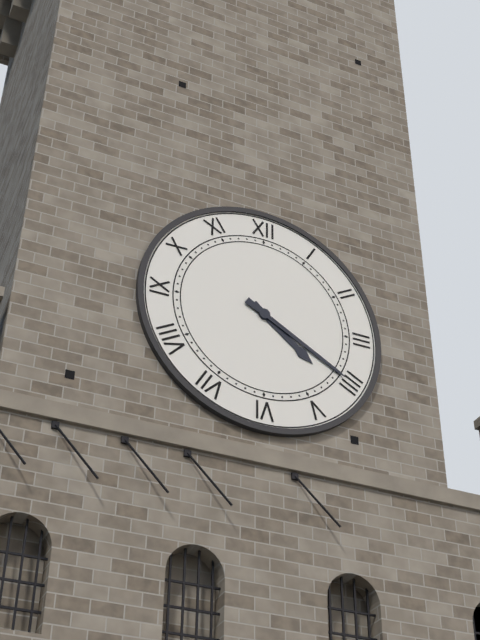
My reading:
{"hour": 4, "minute": 20}
